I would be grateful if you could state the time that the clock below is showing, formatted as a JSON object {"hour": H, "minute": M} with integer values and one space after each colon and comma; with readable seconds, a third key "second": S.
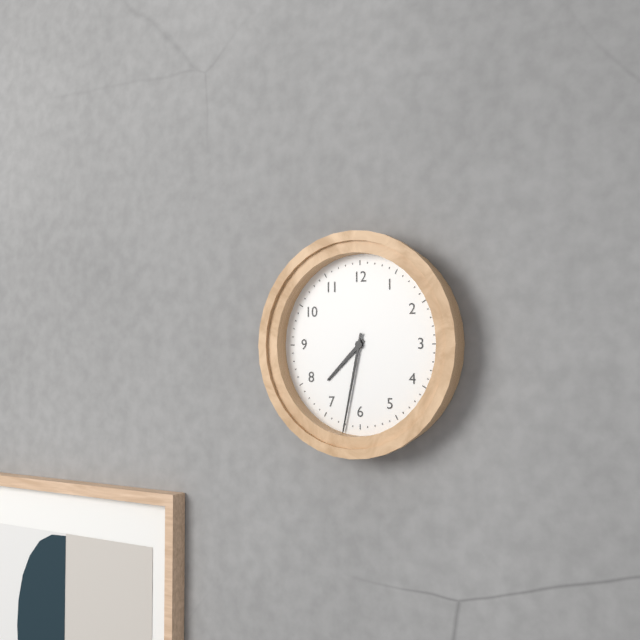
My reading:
{"hour": 7, "minute": 32}
